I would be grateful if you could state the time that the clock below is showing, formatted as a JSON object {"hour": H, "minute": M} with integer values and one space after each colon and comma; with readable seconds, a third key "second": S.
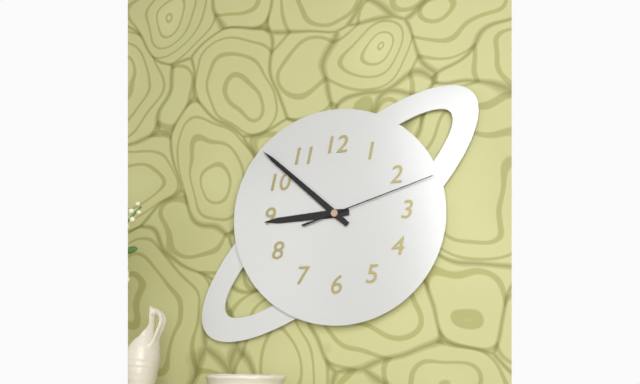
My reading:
{"hour": 8, "minute": 52, "second": 12}
